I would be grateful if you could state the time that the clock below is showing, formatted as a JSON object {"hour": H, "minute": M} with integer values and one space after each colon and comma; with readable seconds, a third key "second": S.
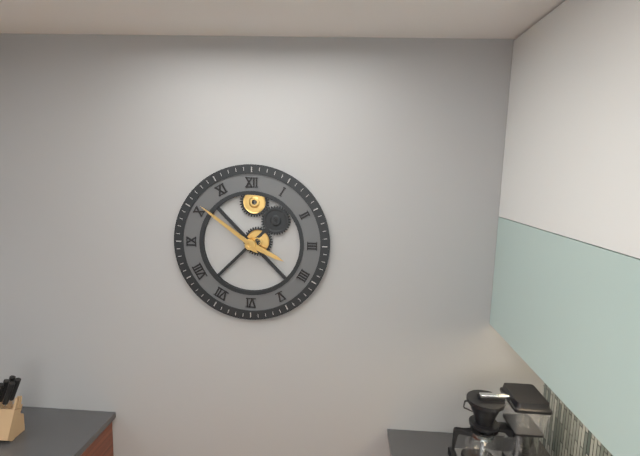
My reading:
{"hour": 3, "minute": 51}
